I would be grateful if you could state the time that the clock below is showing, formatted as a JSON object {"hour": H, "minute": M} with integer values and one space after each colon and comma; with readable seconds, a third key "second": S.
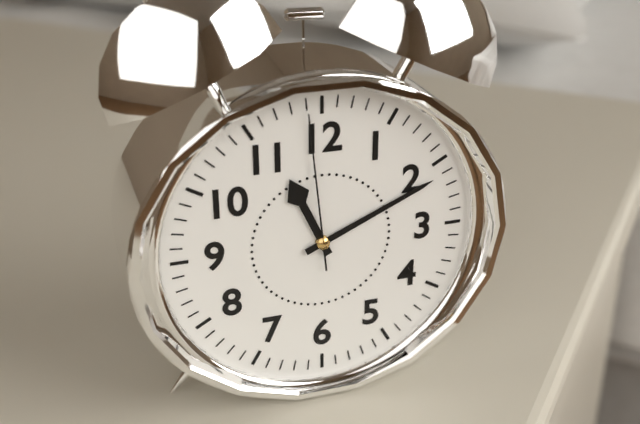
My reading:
{"hour": 11, "minute": 11, "second": 59}
